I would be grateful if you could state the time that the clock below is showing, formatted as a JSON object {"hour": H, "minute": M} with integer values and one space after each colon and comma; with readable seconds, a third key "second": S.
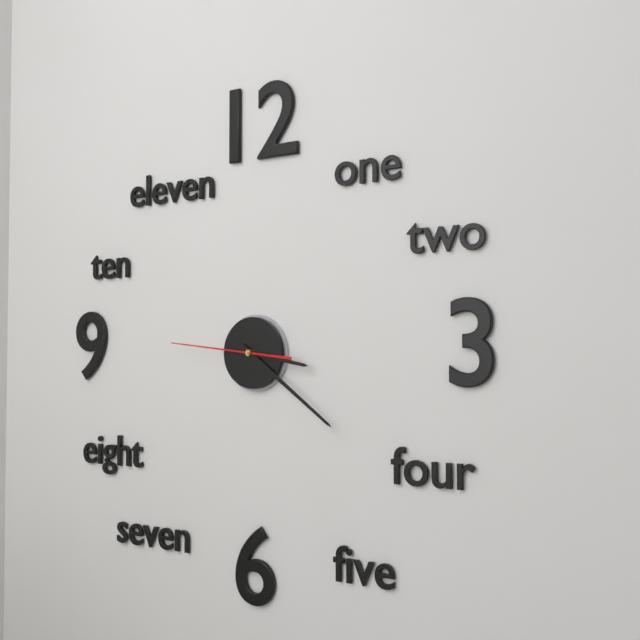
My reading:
{"hour": 3, "minute": 21, "second": 46}
